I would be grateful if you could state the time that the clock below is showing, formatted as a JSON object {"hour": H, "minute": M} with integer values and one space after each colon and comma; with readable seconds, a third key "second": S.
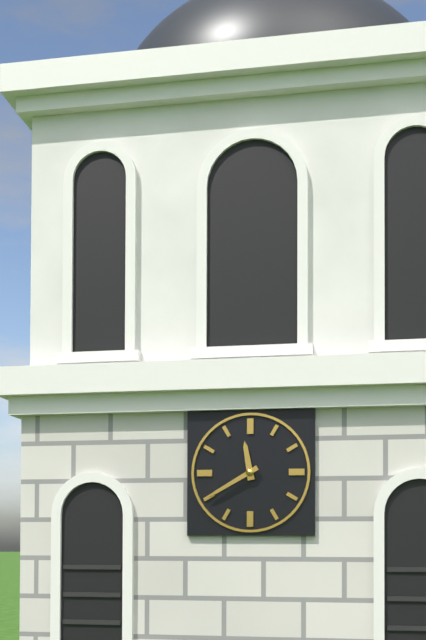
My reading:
{"hour": 11, "minute": 40}
